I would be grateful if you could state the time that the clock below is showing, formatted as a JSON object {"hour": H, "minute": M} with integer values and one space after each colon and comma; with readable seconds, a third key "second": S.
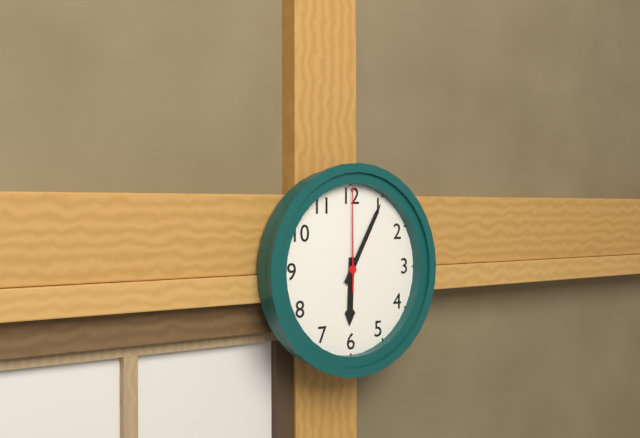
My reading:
{"hour": 6, "minute": 5, "second": 0}
